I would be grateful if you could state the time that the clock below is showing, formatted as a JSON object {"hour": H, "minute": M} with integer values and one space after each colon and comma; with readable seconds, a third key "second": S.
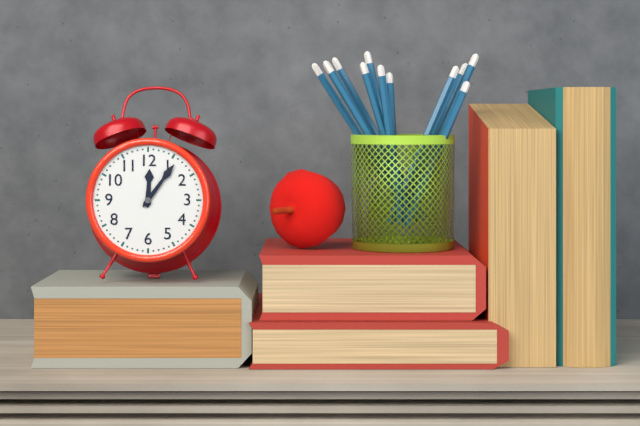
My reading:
{"hour": 12, "minute": 6}
